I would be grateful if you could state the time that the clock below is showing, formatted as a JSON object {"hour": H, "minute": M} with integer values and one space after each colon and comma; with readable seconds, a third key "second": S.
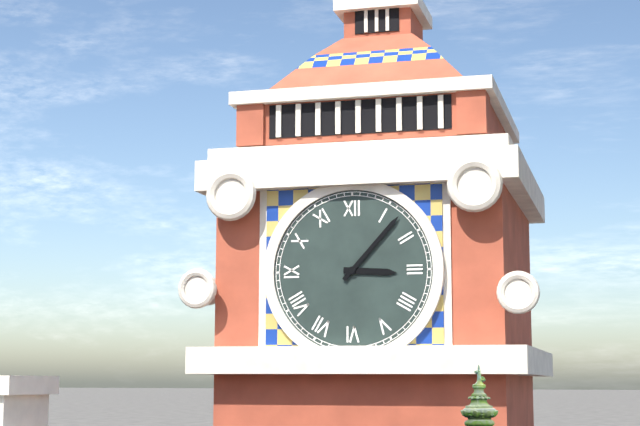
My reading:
{"hour": 3, "minute": 7}
